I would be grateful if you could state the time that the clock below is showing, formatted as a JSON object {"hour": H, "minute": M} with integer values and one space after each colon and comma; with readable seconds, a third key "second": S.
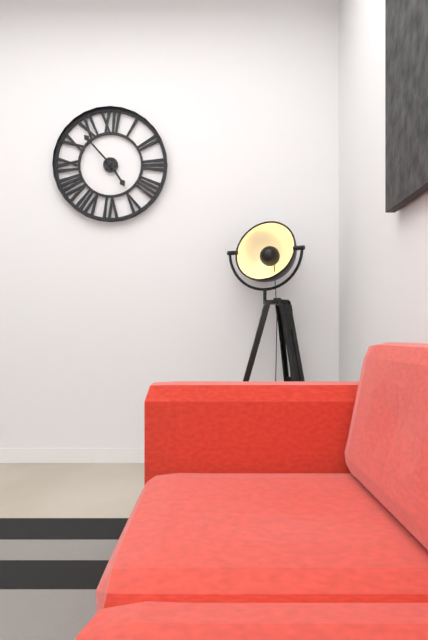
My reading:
{"hour": 4, "minute": 53}
